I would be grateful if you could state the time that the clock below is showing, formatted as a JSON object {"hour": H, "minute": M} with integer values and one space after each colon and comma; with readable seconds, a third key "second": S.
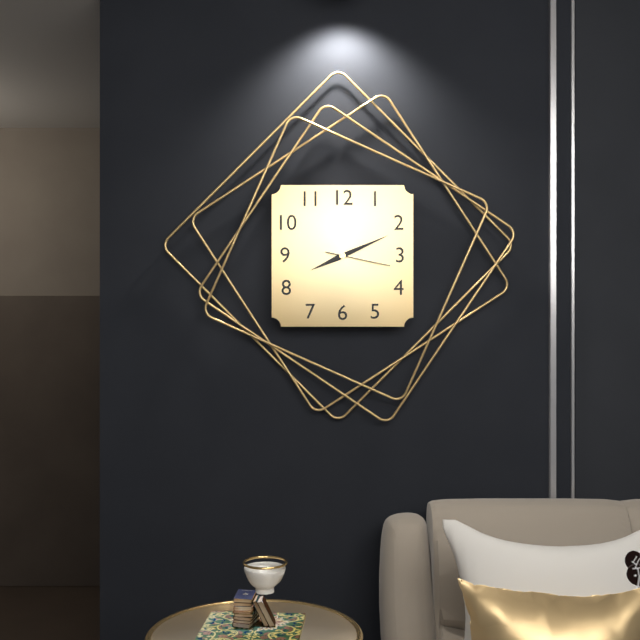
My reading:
{"hour": 8, "minute": 11, "second": 17}
